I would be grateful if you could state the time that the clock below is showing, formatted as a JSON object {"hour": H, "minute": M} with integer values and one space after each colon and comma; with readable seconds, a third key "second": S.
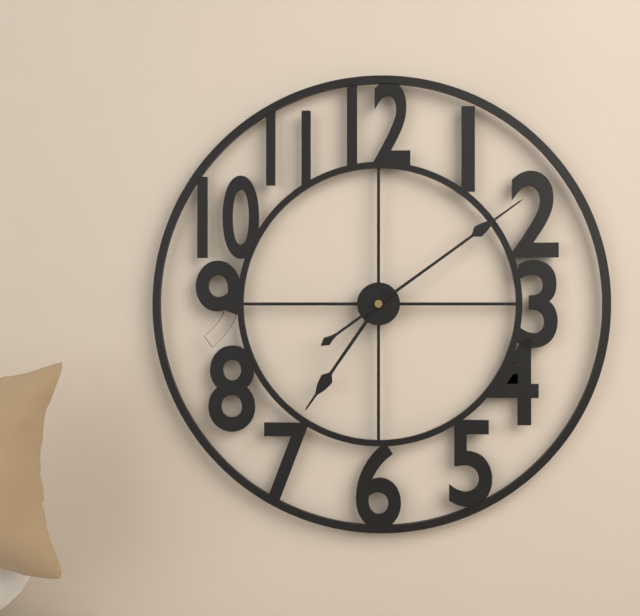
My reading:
{"hour": 7, "minute": 9}
